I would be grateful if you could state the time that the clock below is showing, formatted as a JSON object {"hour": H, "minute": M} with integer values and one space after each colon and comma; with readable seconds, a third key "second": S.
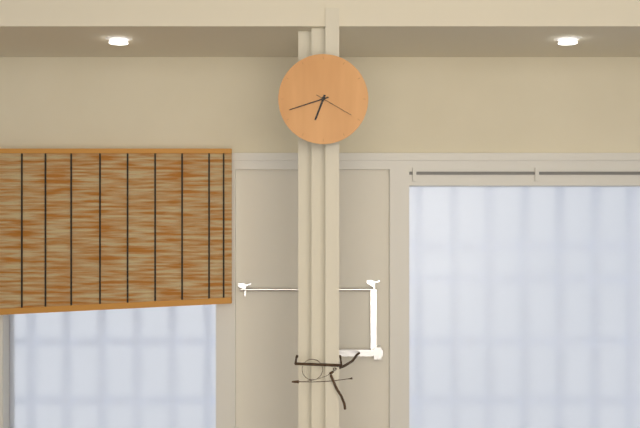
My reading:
{"hour": 6, "minute": 42}
